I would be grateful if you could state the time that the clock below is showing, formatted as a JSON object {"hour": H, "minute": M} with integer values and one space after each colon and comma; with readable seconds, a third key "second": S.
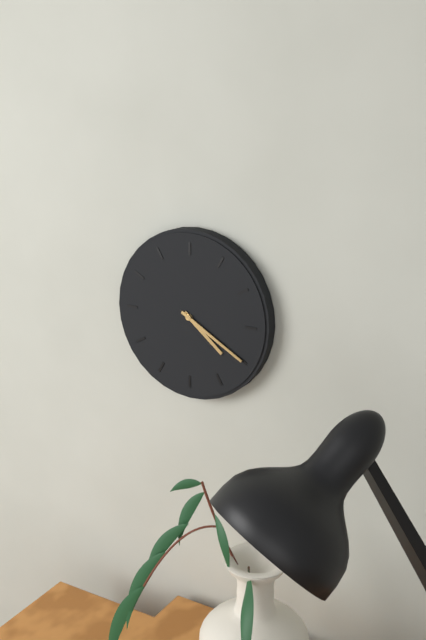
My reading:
{"hour": 4, "minute": 20}
